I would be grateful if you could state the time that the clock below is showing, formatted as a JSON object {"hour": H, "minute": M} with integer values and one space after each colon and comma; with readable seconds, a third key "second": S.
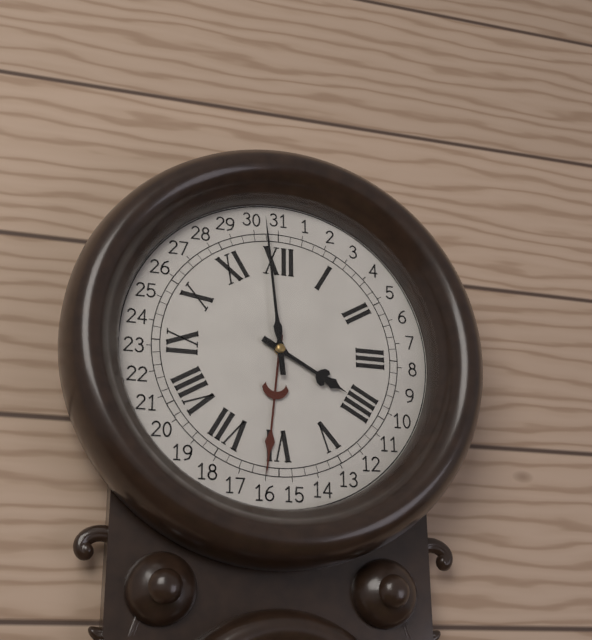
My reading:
{"hour": 3, "minute": 59}
